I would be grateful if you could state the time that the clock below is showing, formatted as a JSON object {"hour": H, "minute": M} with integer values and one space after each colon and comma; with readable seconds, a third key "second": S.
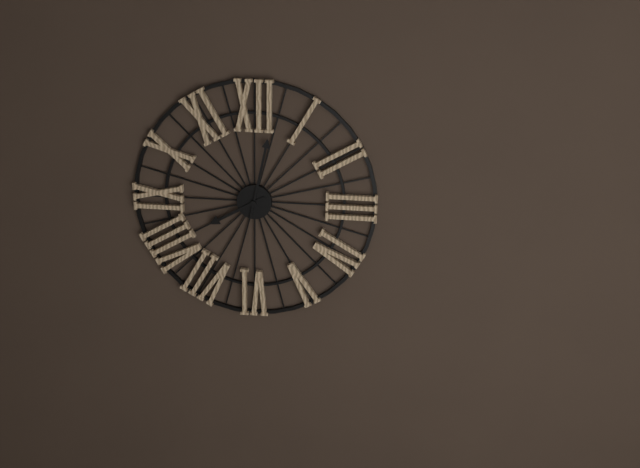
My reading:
{"hour": 8, "minute": 2}
